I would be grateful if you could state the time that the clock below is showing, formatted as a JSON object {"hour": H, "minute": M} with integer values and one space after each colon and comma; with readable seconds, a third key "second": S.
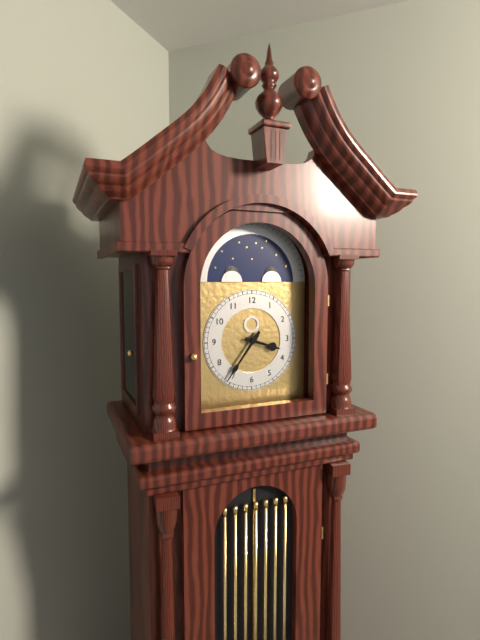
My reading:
{"hour": 3, "minute": 36}
